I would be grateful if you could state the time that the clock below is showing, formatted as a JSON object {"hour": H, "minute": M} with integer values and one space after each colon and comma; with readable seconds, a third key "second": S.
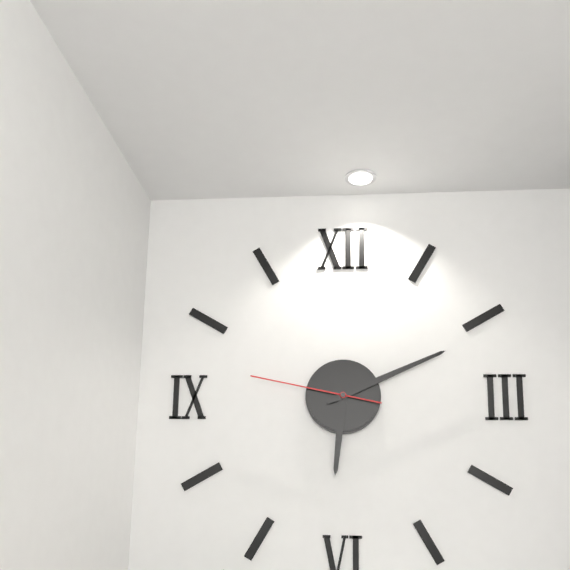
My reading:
{"hour": 6, "minute": 11, "second": 47}
